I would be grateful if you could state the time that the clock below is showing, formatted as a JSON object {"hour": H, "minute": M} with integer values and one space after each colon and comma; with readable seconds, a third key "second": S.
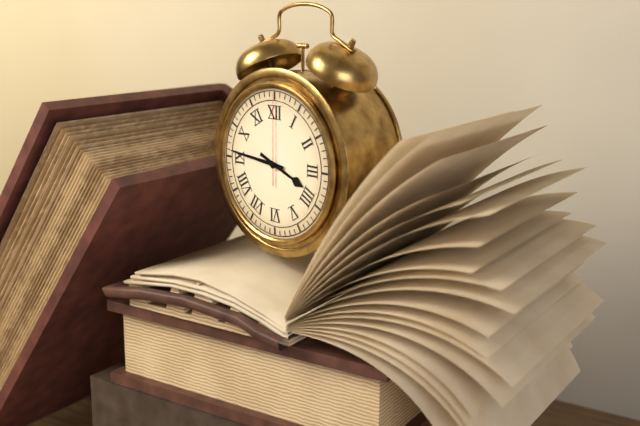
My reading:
{"hour": 3, "minute": 46, "second": 0}
